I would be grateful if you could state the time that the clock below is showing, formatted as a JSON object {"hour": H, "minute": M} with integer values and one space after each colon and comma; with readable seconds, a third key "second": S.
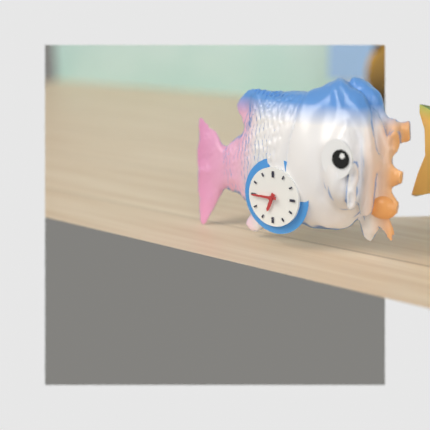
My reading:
{"hour": 6, "minute": 45}
